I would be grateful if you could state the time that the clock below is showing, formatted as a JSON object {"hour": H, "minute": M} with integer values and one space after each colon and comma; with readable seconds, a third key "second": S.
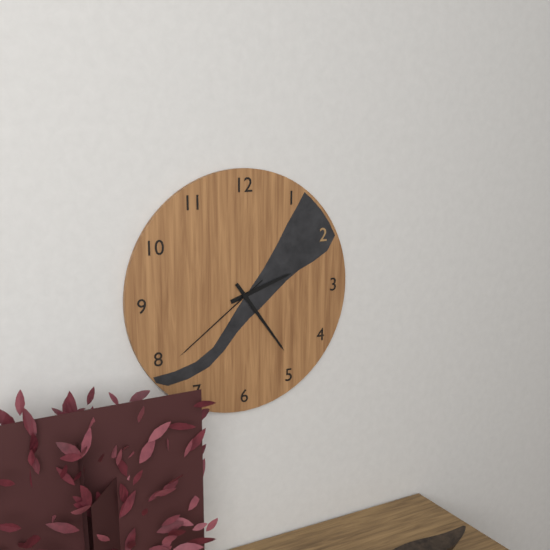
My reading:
{"hour": 2, "minute": 24, "second": 39}
